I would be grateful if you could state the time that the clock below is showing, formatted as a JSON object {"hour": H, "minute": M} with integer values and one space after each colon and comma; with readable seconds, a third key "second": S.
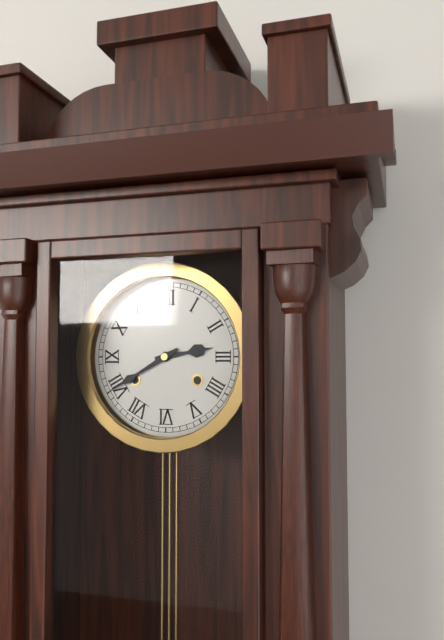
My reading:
{"hour": 2, "minute": 40}
